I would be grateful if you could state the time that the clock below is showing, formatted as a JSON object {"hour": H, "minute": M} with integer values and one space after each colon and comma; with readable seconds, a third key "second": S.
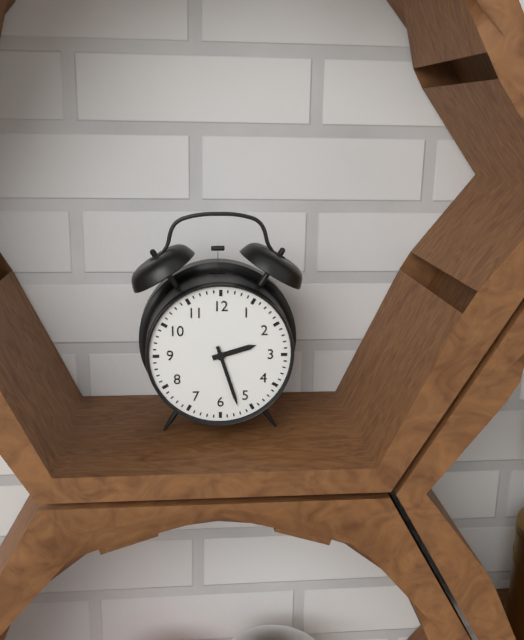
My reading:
{"hour": 2, "minute": 27}
